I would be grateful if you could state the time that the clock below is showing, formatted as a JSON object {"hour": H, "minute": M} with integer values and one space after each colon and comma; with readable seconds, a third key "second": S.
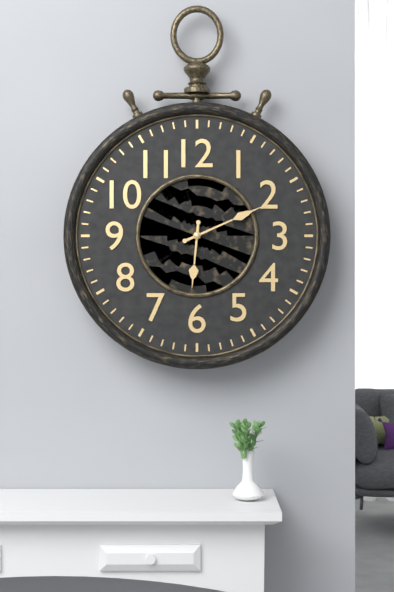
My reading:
{"hour": 6, "minute": 11}
